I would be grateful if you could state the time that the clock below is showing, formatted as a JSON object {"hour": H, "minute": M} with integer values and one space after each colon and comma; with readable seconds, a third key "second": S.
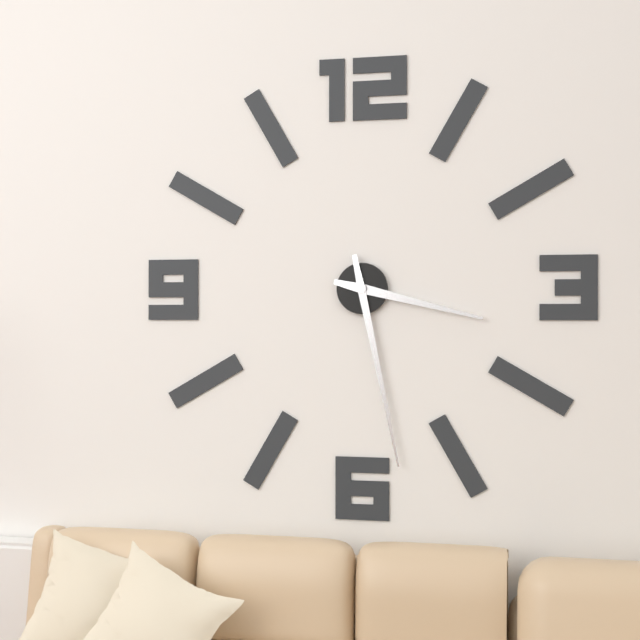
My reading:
{"hour": 3, "minute": 28}
